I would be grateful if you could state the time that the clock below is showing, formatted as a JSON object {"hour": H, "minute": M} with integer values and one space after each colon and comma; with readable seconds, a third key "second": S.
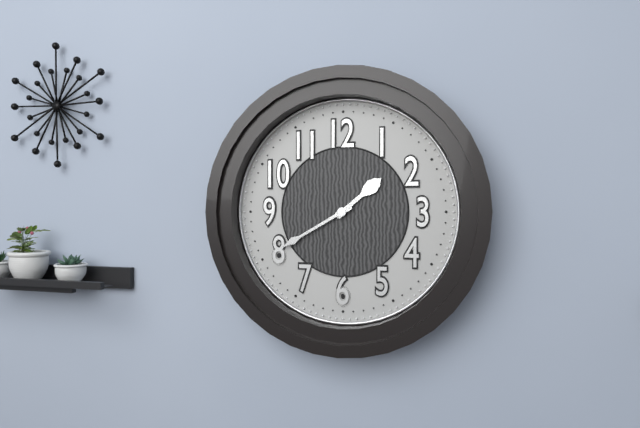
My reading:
{"hour": 1, "minute": 40}
